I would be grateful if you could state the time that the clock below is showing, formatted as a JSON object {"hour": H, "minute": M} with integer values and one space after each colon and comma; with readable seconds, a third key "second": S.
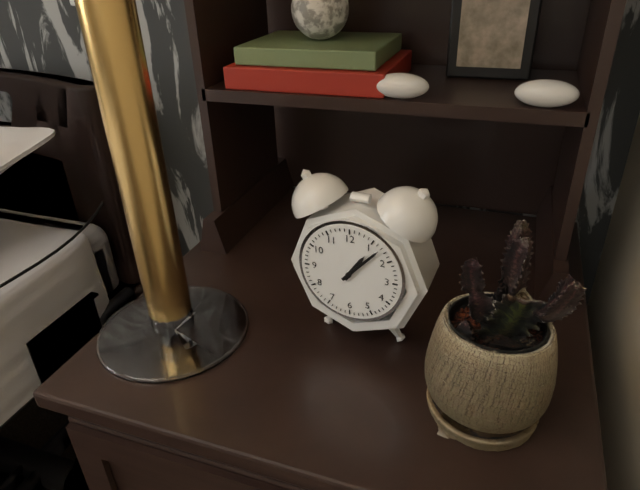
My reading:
{"hour": 1, "minute": 7}
